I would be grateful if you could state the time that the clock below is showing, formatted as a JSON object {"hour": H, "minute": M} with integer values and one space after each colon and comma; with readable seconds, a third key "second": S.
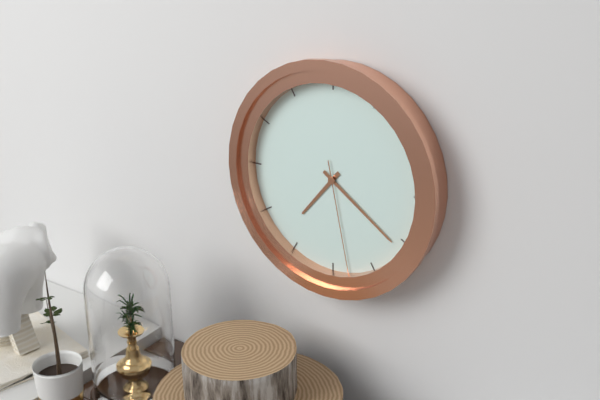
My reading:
{"hour": 7, "minute": 21, "second": 28}
